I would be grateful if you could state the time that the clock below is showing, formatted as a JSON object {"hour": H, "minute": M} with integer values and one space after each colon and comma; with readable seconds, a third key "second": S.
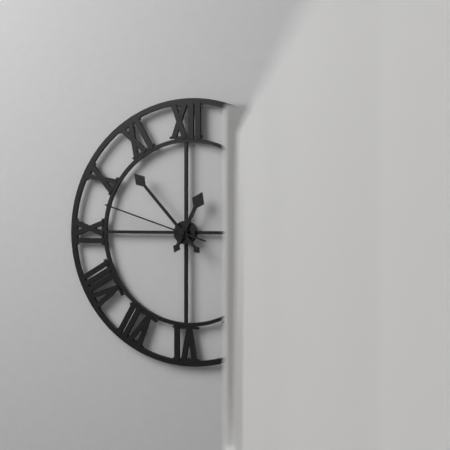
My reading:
{"hour": 12, "minute": 53, "second": 48}
